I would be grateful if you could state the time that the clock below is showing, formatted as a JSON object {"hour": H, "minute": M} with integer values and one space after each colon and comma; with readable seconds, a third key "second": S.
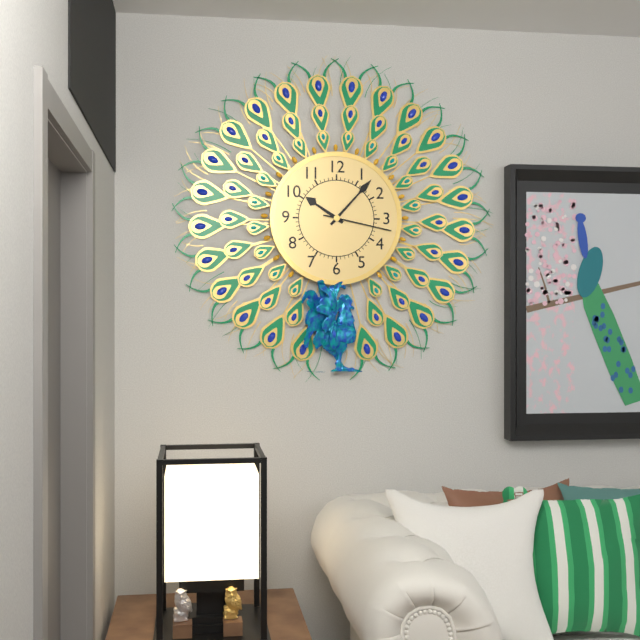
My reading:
{"hour": 10, "minute": 7, "second": 17}
